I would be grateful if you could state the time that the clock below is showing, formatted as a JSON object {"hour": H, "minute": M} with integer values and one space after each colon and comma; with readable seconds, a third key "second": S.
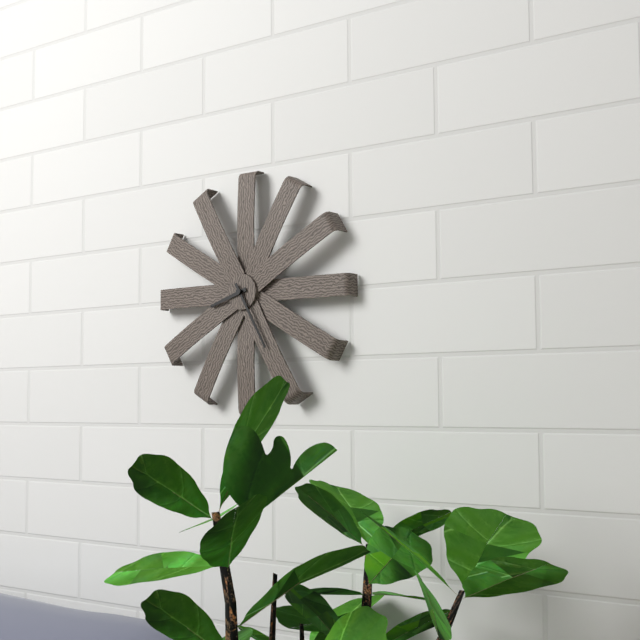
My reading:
{"hour": 8, "minute": 25}
